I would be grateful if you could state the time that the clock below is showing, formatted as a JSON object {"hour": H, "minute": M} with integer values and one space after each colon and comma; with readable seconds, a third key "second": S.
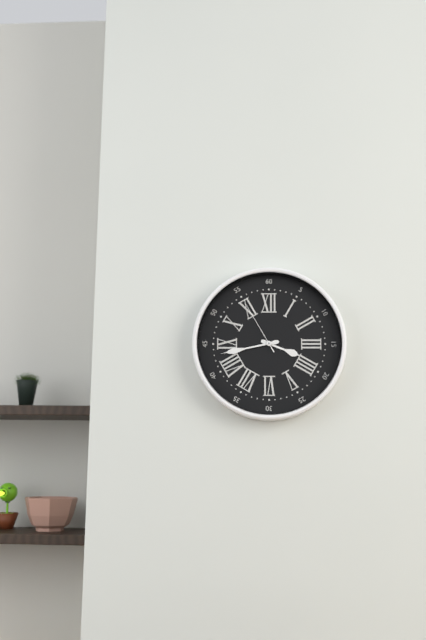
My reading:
{"hour": 3, "minute": 43, "second": 55}
